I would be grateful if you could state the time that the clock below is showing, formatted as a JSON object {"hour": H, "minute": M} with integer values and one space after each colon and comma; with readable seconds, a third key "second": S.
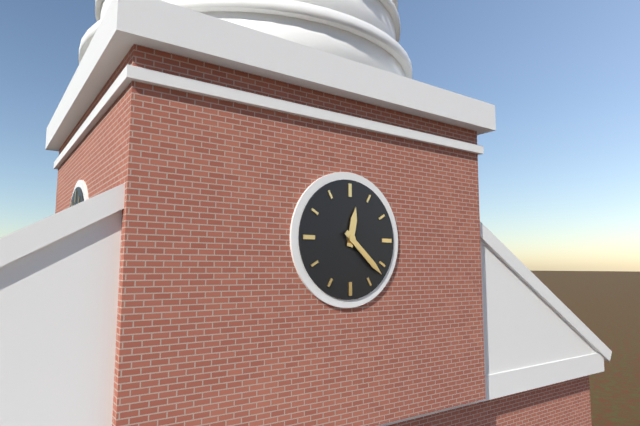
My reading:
{"hour": 12, "minute": 22}
